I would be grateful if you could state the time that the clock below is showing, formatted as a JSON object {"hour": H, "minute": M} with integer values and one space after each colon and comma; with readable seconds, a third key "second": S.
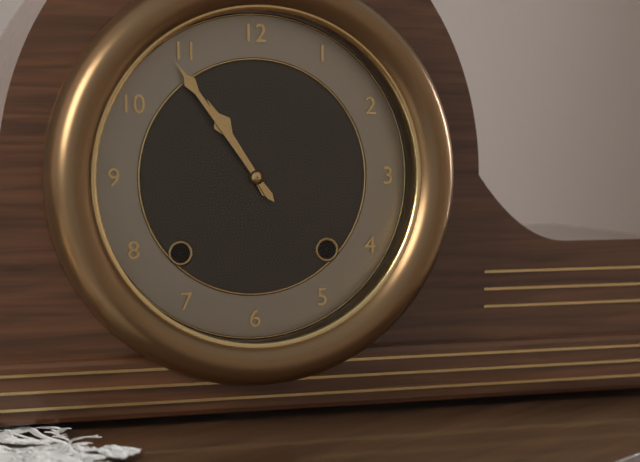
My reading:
{"hour": 10, "minute": 54}
